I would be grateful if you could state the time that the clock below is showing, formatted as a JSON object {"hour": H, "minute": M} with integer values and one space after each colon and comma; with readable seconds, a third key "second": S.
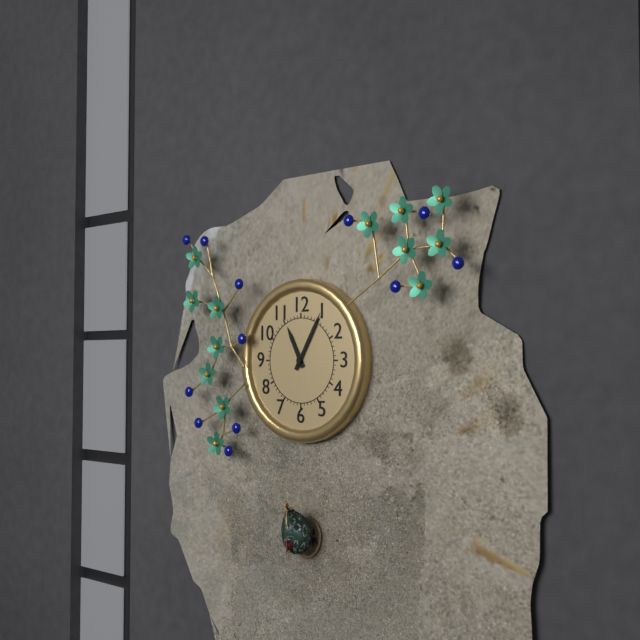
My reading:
{"hour": 11, "minute": 5}
